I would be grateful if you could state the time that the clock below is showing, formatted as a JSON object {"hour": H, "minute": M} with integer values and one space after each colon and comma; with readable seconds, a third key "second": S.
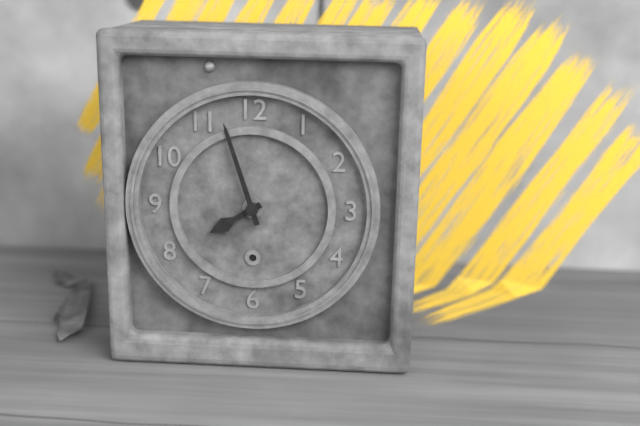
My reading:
{"hour": 7, "minute": 57}
